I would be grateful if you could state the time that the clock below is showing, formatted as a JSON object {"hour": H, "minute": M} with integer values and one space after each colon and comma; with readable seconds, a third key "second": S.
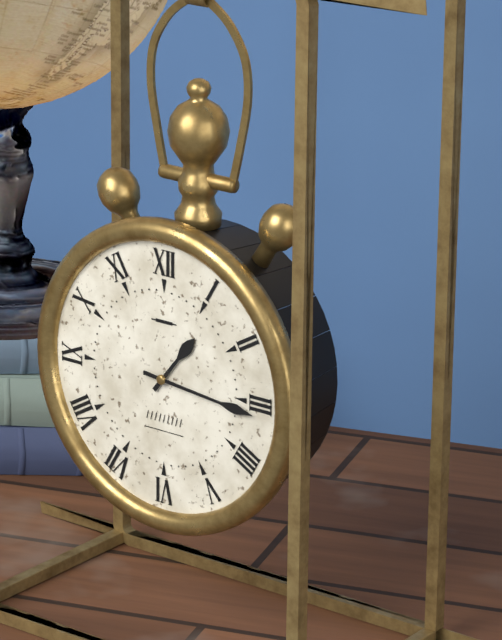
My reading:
{"hour": 1, "minute": 16}
